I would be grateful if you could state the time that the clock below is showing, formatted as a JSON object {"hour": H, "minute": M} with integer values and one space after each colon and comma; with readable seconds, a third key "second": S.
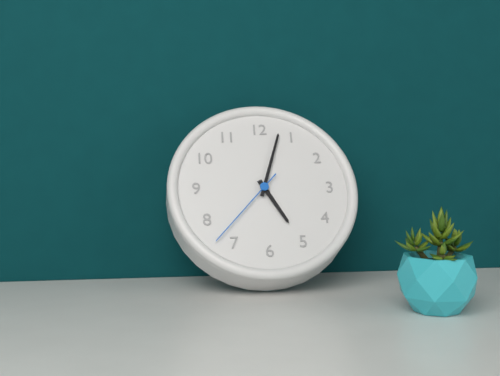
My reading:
{"hour": 5, "minute": 3, "second": 37}
